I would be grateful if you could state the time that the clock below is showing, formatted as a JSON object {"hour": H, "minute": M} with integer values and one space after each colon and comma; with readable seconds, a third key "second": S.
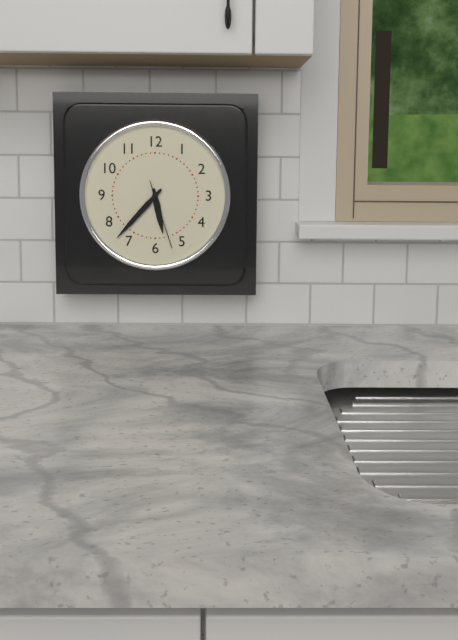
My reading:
{"hour": 5, "minute": 37, "second": 27}
